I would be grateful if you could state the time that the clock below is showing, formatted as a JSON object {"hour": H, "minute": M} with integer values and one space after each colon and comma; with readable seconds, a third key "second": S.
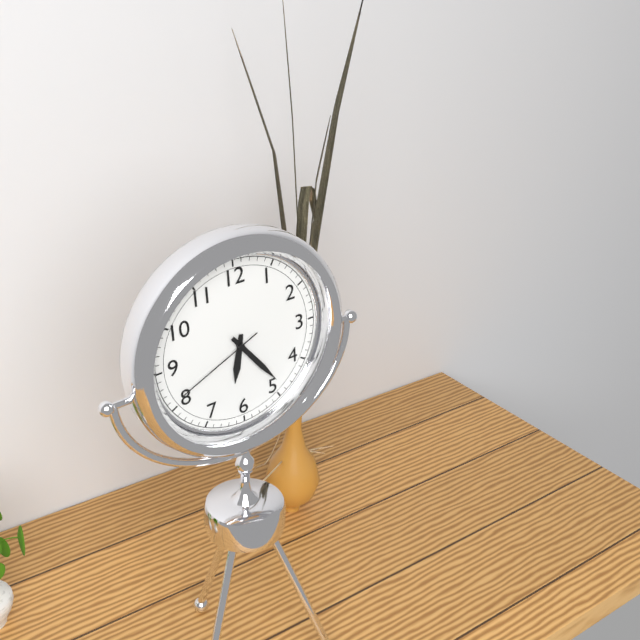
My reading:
{"hour": 6, "minute": 24, "second": 41}
